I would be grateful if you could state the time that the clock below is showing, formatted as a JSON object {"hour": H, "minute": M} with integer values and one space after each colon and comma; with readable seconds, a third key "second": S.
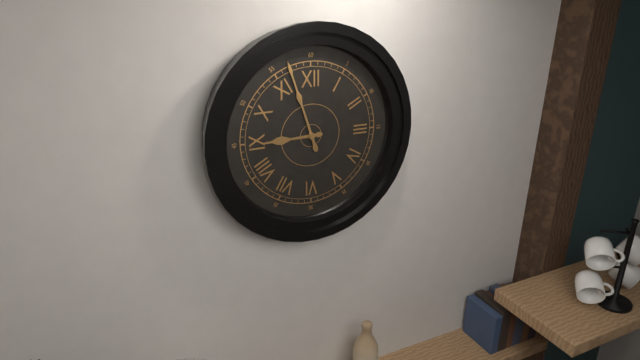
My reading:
{"hour": 8, "minute": 57}
